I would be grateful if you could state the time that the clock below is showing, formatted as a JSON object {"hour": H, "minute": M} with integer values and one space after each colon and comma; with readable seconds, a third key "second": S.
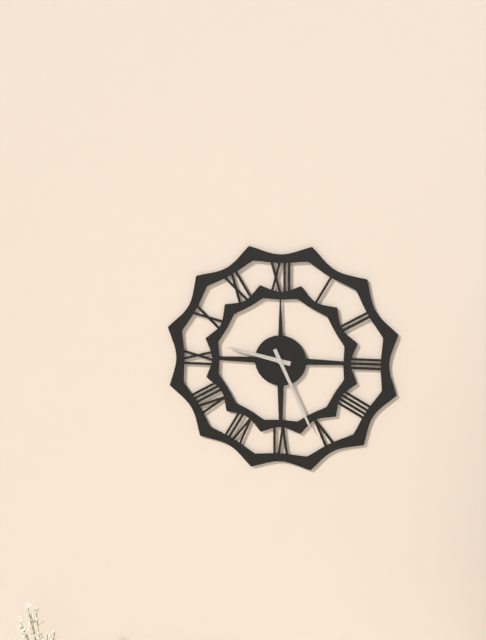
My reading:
{"hour": 9, "minute": 26}
